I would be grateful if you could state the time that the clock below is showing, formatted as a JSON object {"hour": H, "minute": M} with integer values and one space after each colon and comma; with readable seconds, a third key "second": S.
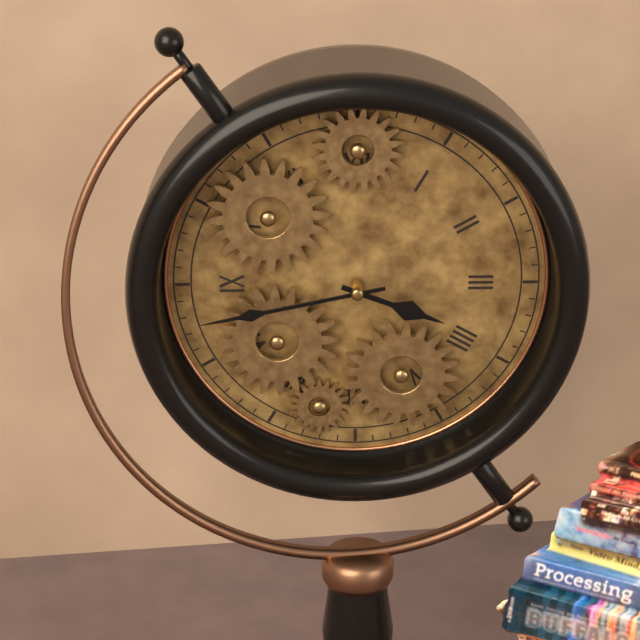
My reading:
{"hour": 3, "minute": 43}
